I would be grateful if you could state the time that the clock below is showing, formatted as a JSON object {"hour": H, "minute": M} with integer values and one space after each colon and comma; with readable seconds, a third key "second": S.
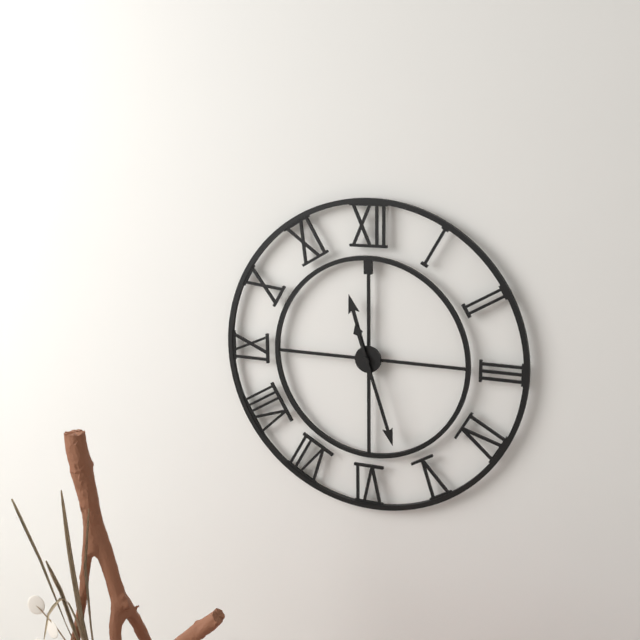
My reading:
{"hour": 11, "minute": 27}
